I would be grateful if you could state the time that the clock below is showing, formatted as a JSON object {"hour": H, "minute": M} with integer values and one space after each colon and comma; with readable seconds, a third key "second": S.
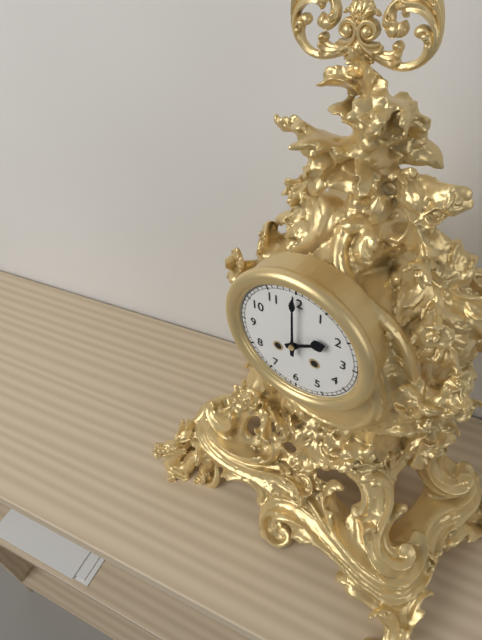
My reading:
{"hour": 2, "minute": 0}
